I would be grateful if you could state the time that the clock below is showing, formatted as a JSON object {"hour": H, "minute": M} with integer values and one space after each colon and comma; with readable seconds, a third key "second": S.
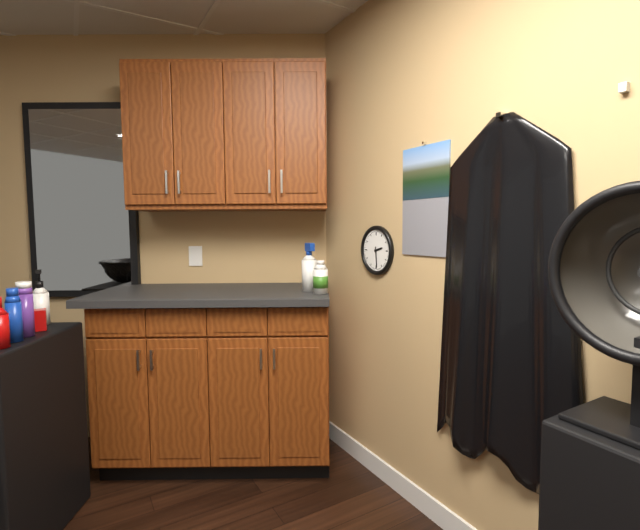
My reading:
{"hour": 2, "minute": 29}
